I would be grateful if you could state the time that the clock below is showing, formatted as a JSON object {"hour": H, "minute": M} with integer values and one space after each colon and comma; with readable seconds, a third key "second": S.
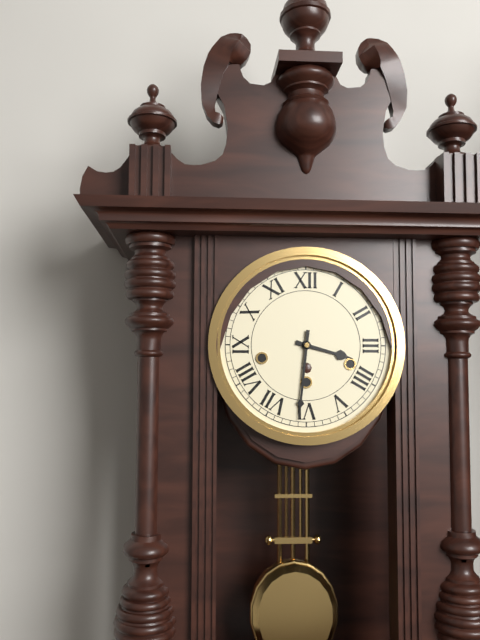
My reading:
{"hour": 3, "minute": 31}
